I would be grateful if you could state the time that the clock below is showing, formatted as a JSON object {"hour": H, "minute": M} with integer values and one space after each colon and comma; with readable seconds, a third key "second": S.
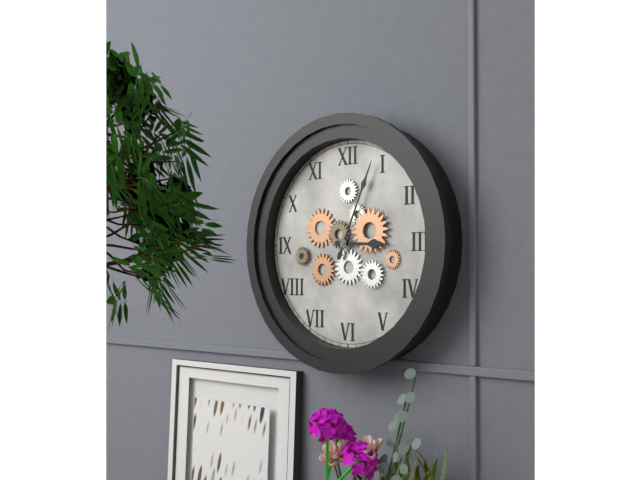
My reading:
{"hour": 3, "minute": 4}
